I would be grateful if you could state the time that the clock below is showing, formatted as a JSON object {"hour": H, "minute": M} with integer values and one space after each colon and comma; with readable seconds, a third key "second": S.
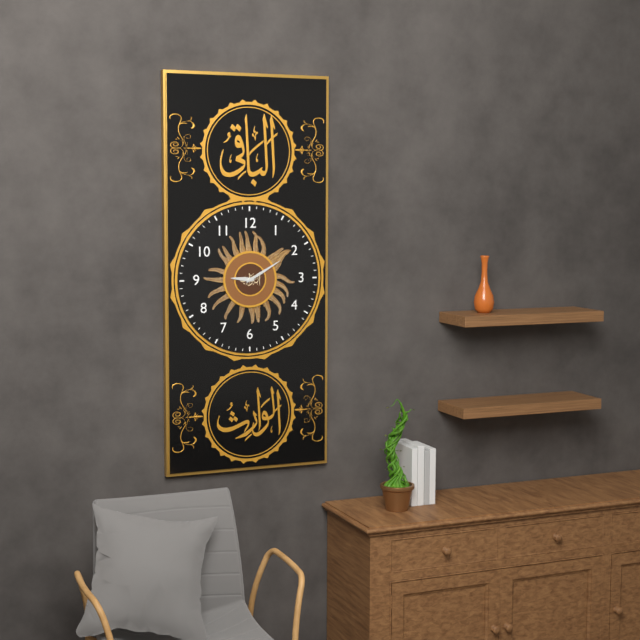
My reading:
{"hour": 9, "minute": 10}
